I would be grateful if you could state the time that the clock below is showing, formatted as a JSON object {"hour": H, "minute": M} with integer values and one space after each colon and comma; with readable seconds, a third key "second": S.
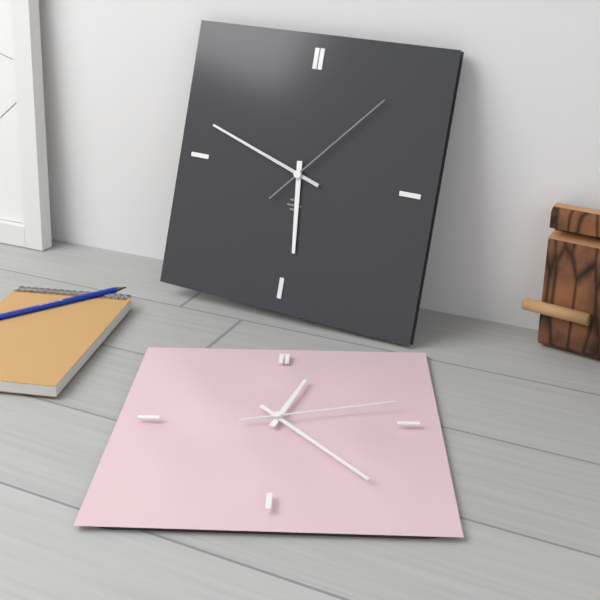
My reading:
{"hour": 5, "minute": 48, "second": 7}
